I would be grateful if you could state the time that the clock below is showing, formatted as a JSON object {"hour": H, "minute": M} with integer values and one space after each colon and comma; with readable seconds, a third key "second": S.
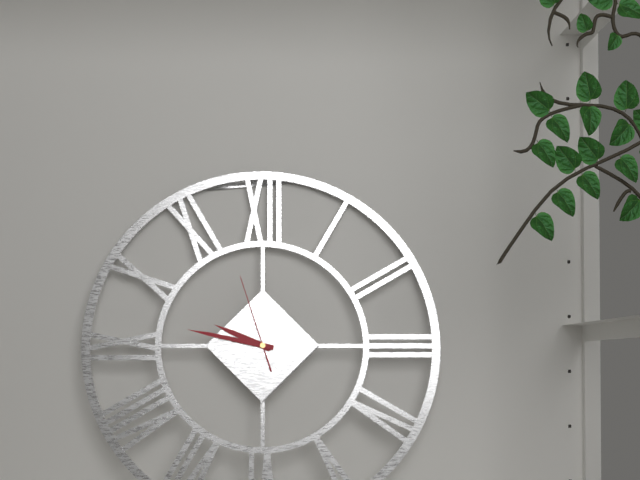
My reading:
{"hour": 9, "minute": 47, "second": 57}
